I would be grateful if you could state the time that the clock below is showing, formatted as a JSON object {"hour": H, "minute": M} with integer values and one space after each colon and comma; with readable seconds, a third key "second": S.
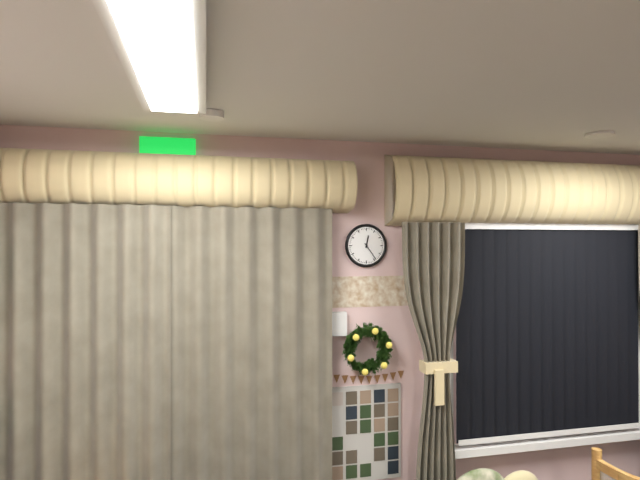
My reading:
{"hour": 12, "minute": 24}
